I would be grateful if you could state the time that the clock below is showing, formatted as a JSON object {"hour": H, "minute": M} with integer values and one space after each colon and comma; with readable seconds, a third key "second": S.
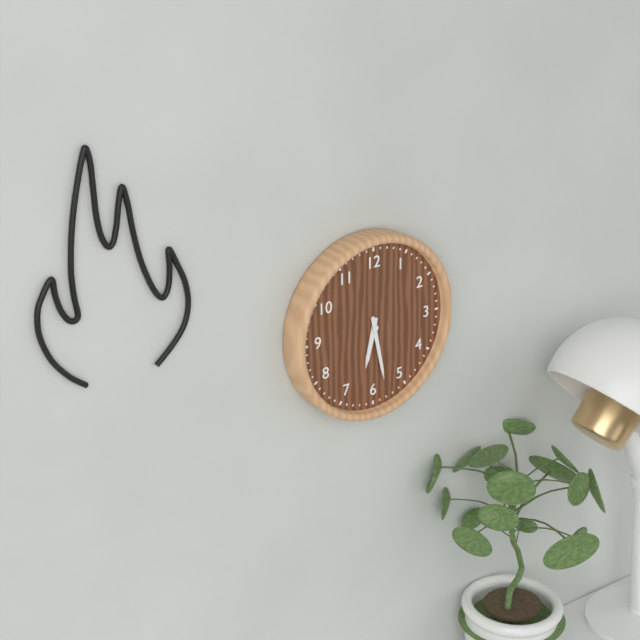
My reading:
{"hour": 6, "minute": 28}
